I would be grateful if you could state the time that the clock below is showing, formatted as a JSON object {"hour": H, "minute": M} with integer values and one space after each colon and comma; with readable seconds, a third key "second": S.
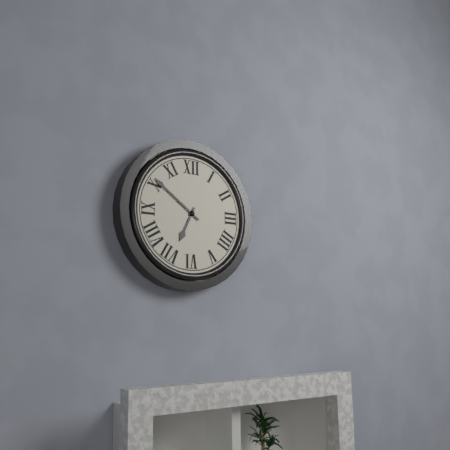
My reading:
{"hour": 6, "minute": 51}
